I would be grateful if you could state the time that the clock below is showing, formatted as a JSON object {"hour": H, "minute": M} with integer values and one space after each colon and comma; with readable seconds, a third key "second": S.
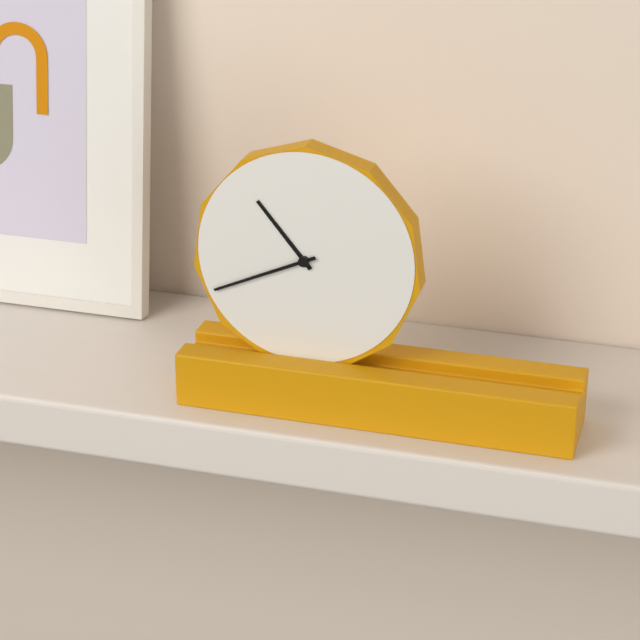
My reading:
{"hour": 10, "minute": 41}
